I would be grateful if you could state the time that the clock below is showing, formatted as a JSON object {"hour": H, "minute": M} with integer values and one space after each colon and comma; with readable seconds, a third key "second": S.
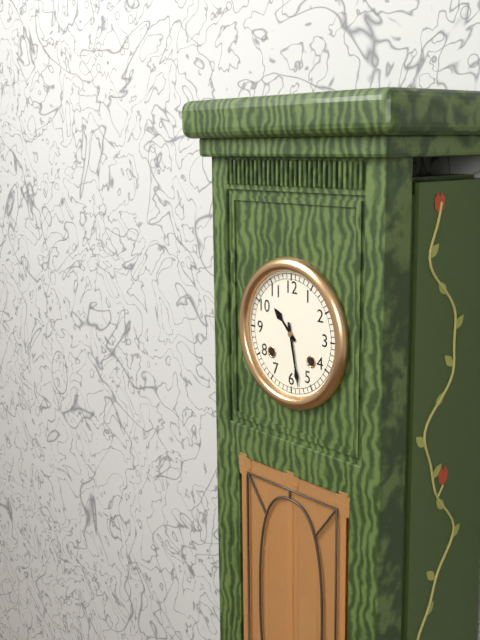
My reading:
{"hour": 10, "minute": 28}
